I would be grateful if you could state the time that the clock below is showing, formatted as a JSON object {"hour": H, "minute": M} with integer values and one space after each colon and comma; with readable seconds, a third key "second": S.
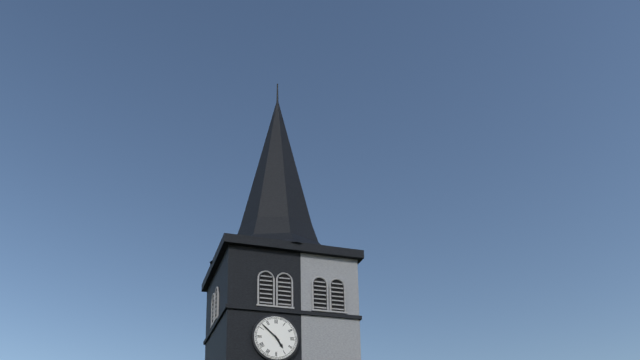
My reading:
{"hour": 4, "minute": 52}
